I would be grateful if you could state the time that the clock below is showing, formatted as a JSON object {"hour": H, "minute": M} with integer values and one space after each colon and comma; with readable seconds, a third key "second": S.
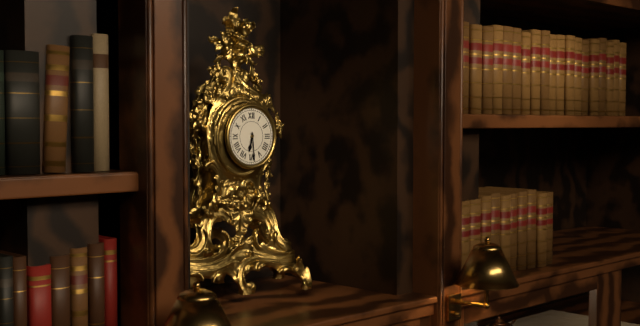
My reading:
{"hour": 6, "minute": 29}
